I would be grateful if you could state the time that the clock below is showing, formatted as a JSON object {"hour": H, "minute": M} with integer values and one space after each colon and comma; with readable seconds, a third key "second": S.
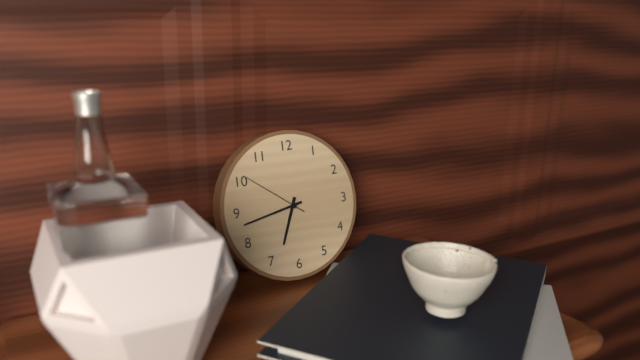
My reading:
{"hour": 6, "minute": 43, "second": 51}
